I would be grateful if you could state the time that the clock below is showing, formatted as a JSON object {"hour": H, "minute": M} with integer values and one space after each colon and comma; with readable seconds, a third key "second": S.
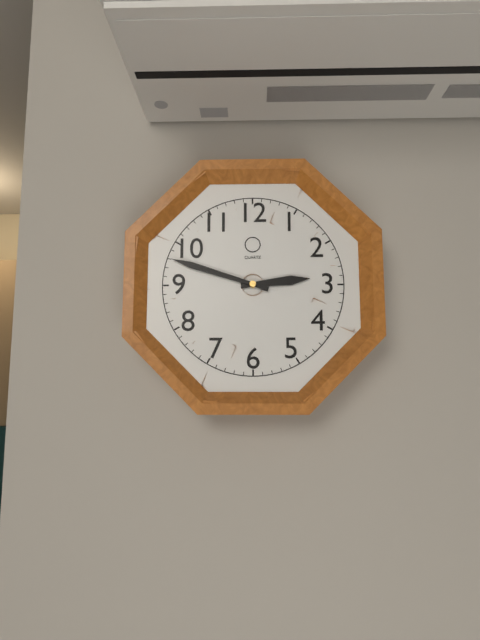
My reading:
{"hour": 2, "minute": 48}
